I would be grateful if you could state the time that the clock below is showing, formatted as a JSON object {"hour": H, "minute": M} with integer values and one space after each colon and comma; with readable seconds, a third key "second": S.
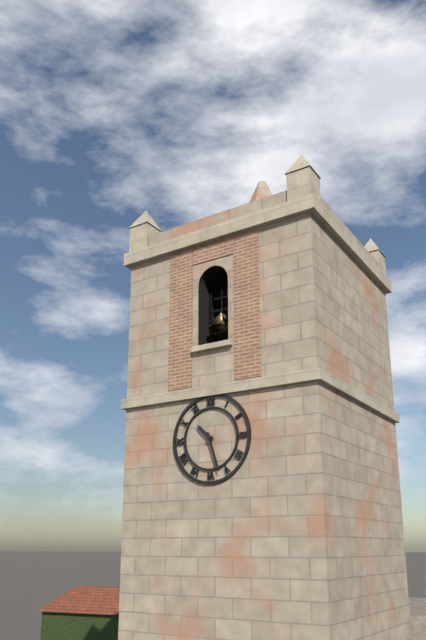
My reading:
{"hour": 10, "minute": 27}
